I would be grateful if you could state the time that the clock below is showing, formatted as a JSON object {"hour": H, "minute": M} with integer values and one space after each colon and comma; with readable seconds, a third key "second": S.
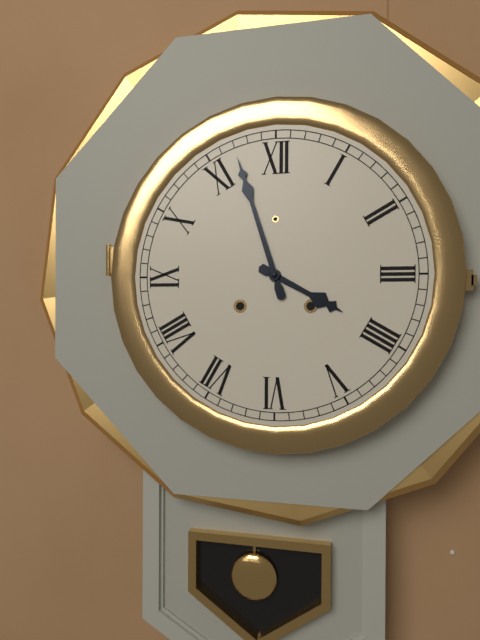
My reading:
{"hour": 3, "minute": 57}
